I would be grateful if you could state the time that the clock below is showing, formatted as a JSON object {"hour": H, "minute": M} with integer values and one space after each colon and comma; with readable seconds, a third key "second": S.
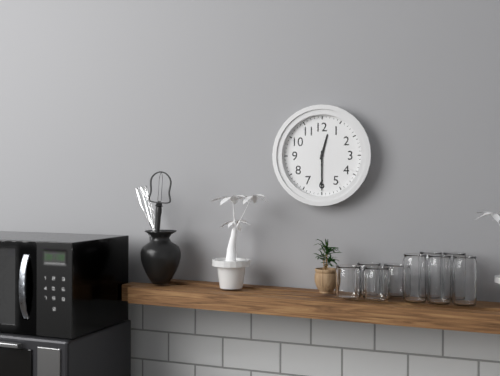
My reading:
{"hour": 12, "minute": 30}
